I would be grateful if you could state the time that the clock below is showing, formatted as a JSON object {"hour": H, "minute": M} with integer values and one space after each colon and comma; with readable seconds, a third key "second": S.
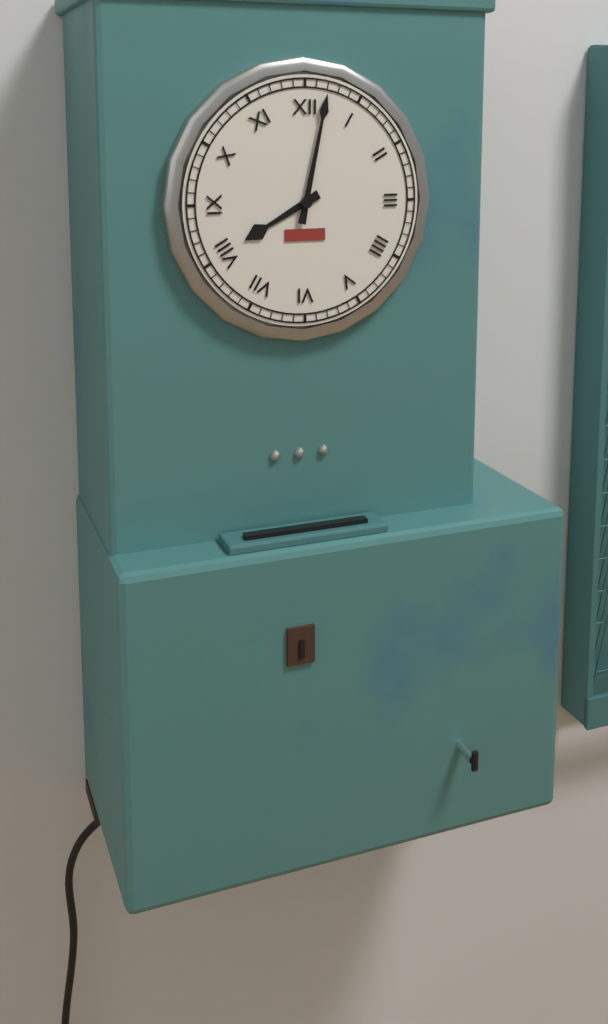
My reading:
{"hour": 8, "minute": 2}
